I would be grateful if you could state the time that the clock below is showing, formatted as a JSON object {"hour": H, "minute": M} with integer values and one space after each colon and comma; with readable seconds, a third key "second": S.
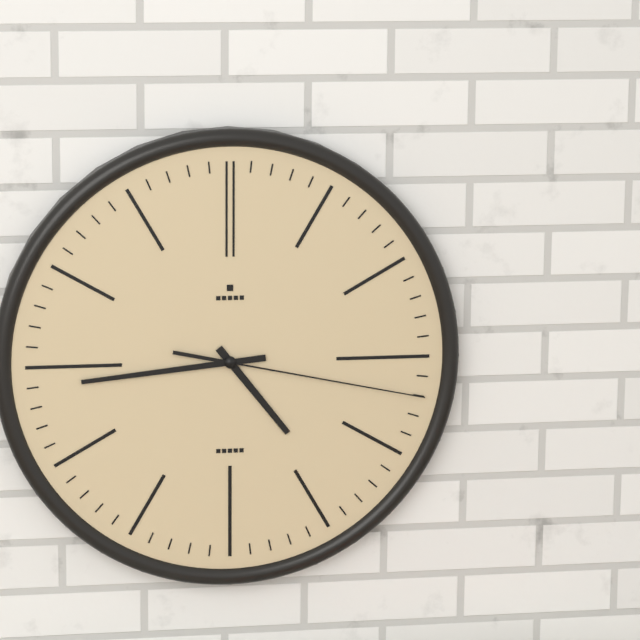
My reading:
{"hour": 4, "minute": 44, "second": 17}
